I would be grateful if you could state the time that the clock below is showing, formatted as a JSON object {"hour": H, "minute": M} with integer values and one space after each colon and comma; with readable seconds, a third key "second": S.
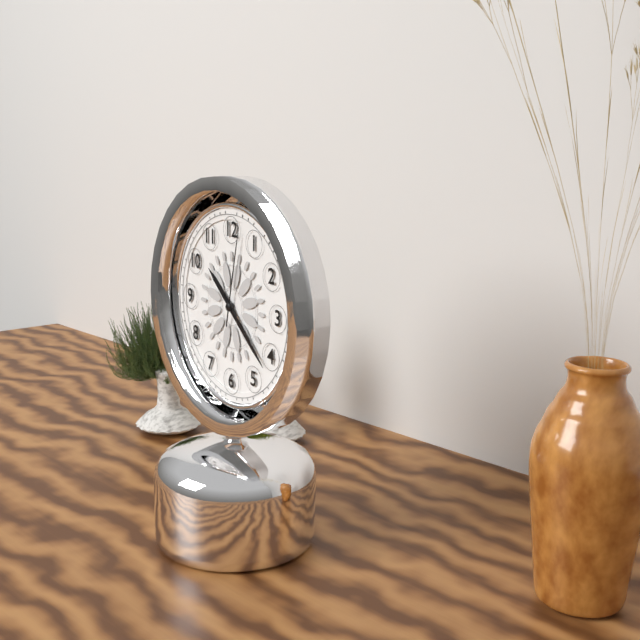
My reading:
{"hour": 10, "minute": 22, "second": 2}
